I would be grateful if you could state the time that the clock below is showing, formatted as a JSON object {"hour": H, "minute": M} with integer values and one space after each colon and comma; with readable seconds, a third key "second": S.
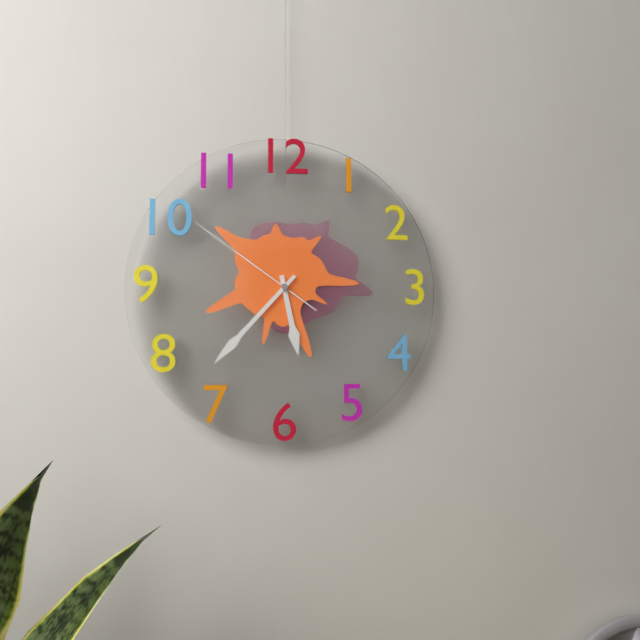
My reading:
{"hour": 5, "minute": 37, "second": 51}
